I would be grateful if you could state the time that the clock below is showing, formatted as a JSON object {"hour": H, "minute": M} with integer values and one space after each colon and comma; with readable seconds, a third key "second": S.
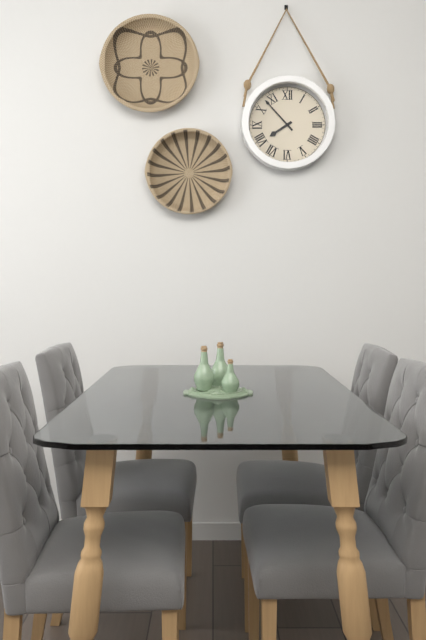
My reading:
{"hour": 7, "minute": 53}
